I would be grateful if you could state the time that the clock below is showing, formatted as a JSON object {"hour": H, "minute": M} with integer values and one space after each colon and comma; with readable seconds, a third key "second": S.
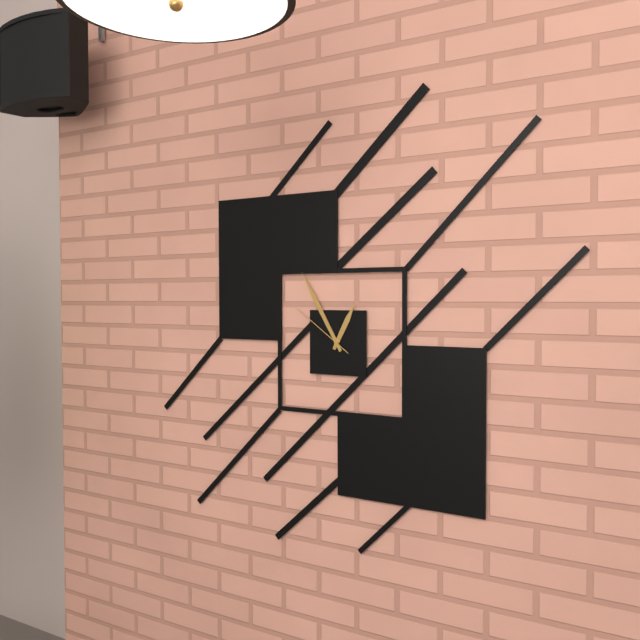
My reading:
{"hour": 12, "minute": 55, "second": 51}
